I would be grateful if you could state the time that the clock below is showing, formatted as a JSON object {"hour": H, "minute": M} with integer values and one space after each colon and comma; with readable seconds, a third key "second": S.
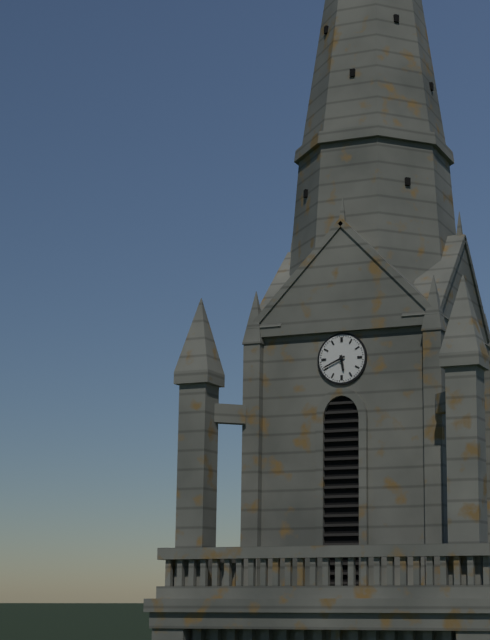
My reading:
{"hour": 5, "minute": 41}
